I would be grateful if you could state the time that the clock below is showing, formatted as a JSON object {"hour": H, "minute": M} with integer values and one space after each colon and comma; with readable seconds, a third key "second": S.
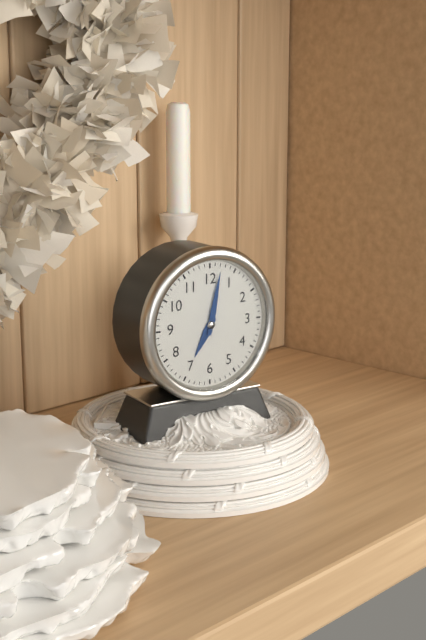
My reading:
{"hour": 7, "minute": 2}
